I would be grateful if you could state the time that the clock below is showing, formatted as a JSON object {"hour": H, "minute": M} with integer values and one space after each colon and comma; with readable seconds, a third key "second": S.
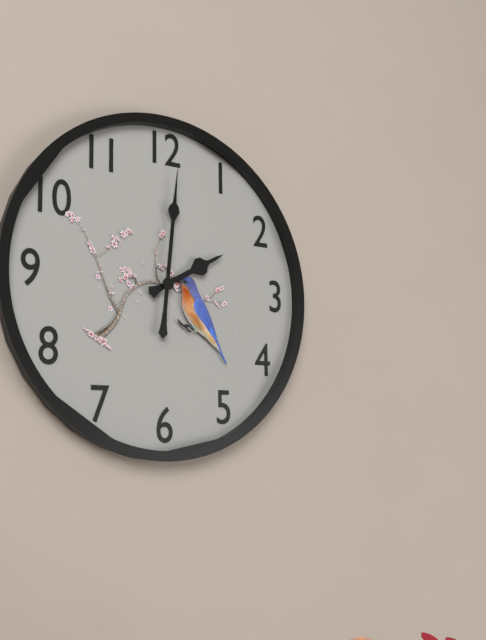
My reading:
{"hour": 2, "minute": 1}
